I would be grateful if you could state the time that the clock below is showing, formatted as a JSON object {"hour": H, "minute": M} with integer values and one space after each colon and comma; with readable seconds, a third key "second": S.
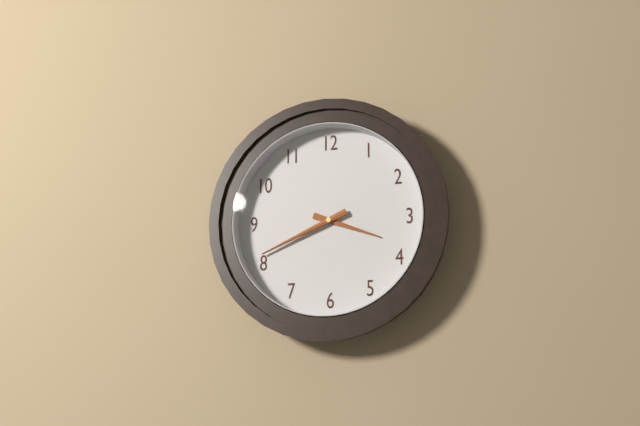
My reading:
{"hour": 3, "minute": 41}
